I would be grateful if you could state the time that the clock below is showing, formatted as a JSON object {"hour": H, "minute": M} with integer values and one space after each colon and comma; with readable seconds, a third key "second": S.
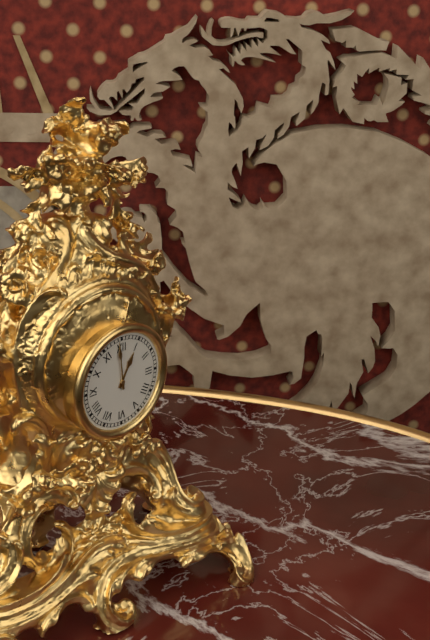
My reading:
{"hour": 12, "minute": 59}
